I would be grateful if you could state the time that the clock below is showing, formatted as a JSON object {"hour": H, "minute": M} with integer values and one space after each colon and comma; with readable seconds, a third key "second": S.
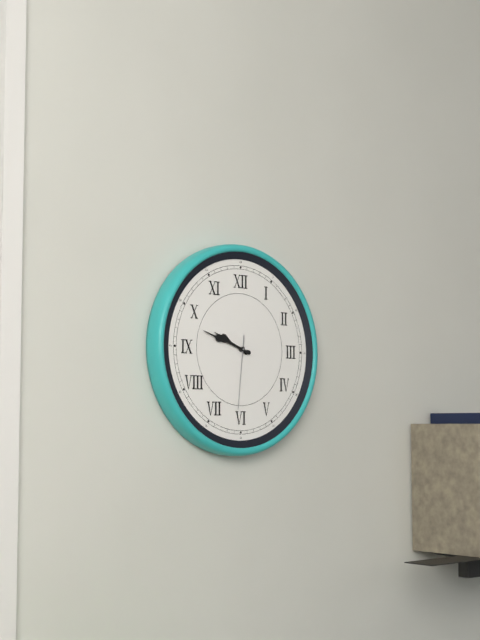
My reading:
{"hour": 9, "minute": 48, "second": 31}
